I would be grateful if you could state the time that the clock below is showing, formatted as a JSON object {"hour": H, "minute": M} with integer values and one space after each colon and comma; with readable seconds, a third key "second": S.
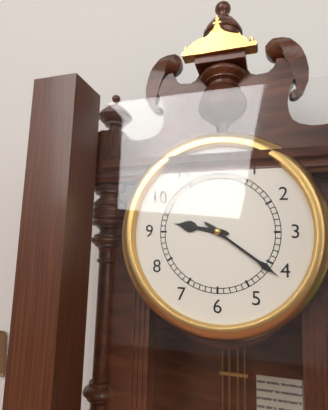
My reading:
{"hour": 9, "minute": 21}
